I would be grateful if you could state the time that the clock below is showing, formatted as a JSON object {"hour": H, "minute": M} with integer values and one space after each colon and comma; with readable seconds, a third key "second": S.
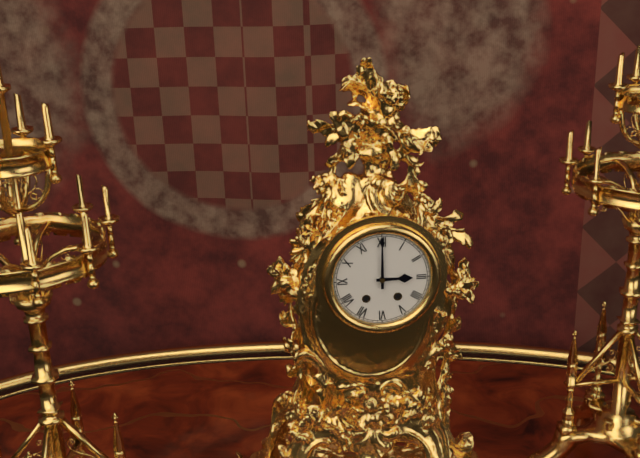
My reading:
{"hour": 3, "minute": 0}
